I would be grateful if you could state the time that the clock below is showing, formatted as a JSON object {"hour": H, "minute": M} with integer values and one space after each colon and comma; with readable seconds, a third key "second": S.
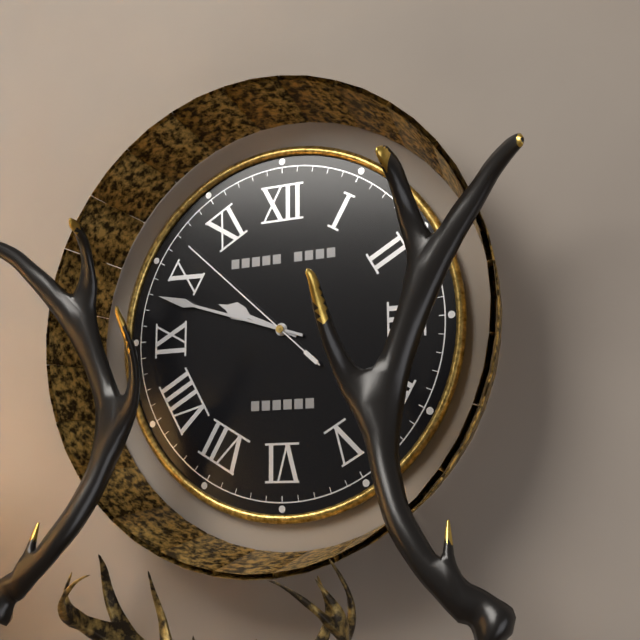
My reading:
{"hour": 9, "minute": 48, "second": 52}
